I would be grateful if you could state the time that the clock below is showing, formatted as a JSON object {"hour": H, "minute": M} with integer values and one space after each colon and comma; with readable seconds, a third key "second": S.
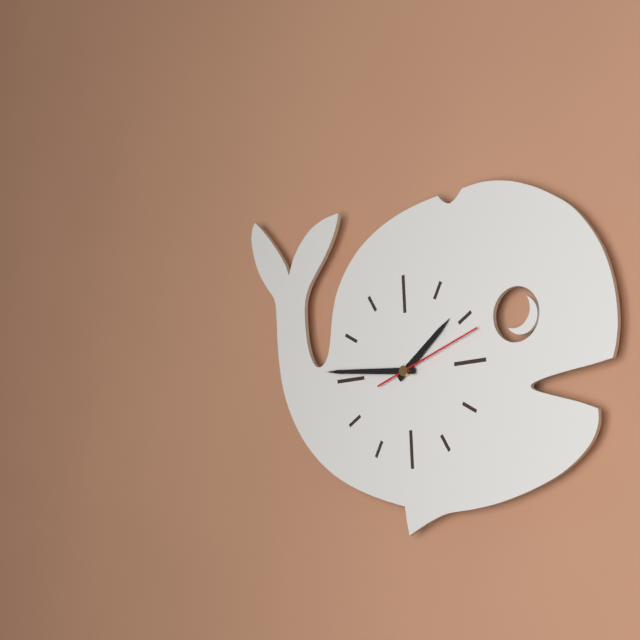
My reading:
{"hour": 1, "minute": 46, "second": 12}
